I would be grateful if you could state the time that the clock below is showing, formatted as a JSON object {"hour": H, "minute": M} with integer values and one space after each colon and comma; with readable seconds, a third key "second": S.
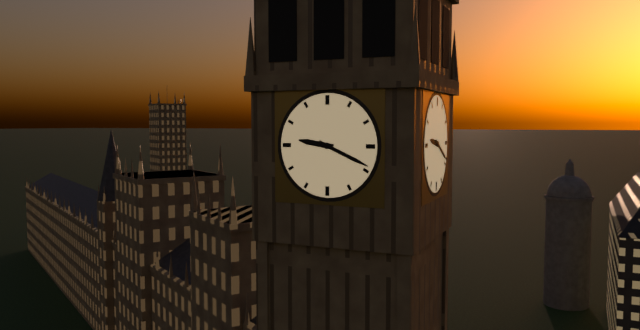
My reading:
{"hour": 9, "minute": 19}
